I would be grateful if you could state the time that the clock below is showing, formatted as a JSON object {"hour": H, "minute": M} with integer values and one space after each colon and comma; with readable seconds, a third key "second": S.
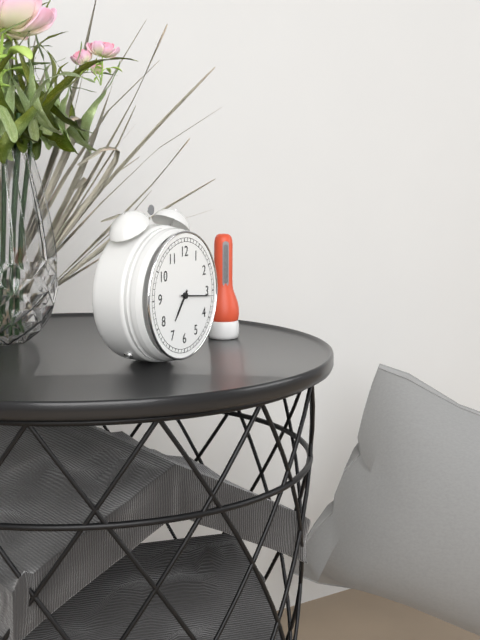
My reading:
{"hour": 7, "minute": 16}
